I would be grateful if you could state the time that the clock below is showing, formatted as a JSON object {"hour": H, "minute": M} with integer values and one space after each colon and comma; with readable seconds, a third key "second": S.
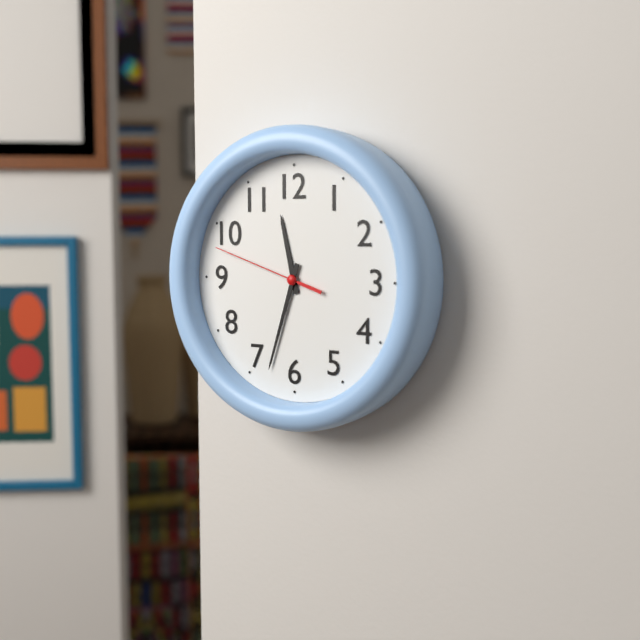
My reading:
{"hour": 11, "minute": 33, "second": 48}
